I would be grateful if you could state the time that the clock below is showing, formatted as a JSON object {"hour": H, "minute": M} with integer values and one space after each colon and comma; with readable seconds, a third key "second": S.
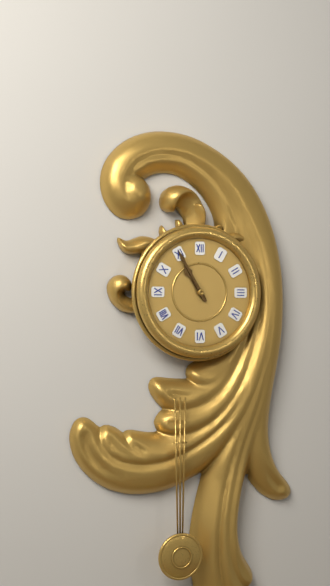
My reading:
{"hour": 10, "minute": 55}
